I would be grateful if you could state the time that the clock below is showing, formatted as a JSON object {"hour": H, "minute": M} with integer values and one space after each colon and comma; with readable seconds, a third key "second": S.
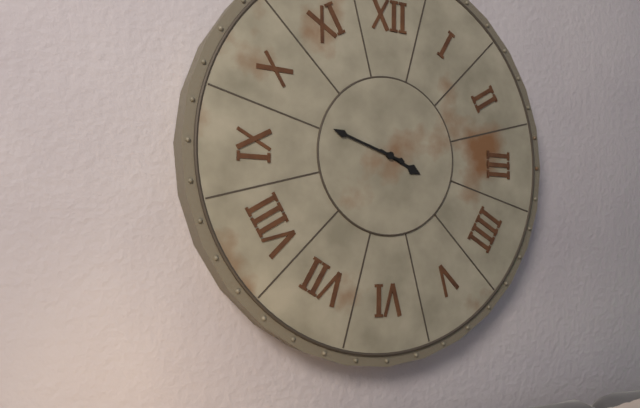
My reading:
{"hour": 3, "minute": 48}
